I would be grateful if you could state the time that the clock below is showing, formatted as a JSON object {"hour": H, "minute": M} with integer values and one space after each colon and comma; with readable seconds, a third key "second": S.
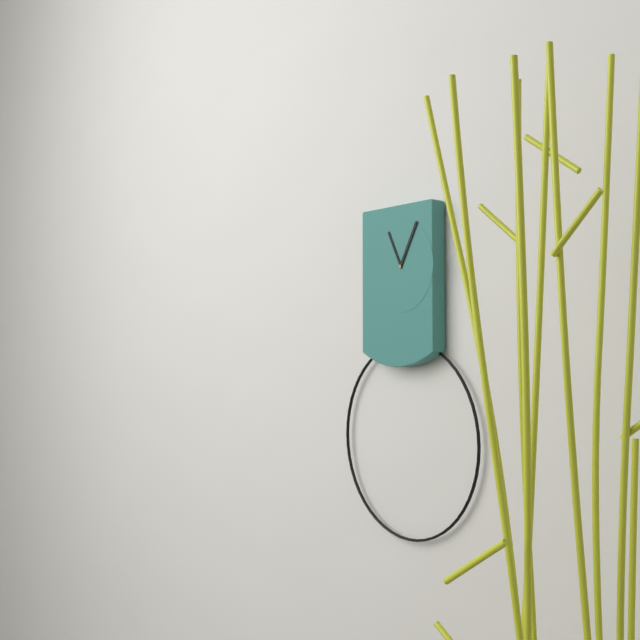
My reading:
{"hour": 11, "minute": 5}
